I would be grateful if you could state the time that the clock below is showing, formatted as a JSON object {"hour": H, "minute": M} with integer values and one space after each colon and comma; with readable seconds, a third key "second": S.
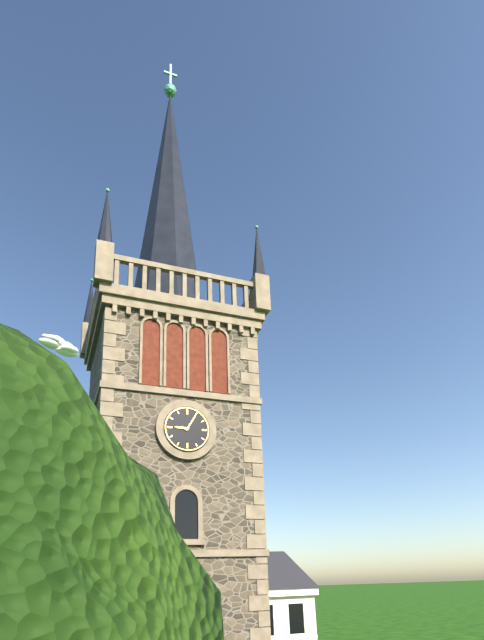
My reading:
{"hour": 9, "minute": 5}
